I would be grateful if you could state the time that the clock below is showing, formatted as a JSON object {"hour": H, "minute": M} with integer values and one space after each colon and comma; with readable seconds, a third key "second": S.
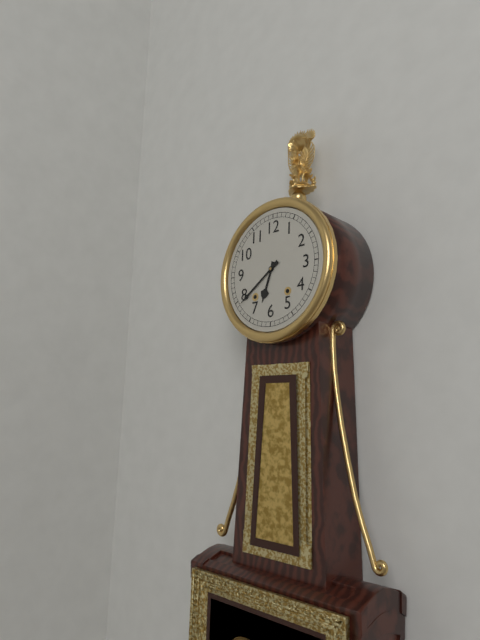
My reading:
{"hour": 6, "minute": 39}
